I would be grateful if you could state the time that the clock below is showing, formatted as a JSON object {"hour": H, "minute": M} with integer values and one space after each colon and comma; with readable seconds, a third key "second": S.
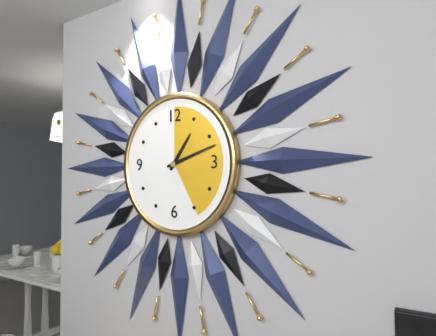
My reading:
{"hour": 1, "minute": 12}
